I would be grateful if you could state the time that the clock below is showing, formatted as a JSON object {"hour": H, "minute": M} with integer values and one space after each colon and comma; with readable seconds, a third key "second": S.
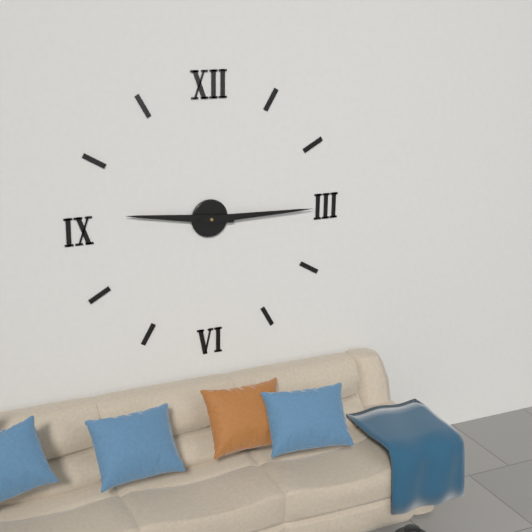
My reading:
{"hour": 9, "minute": 15}
